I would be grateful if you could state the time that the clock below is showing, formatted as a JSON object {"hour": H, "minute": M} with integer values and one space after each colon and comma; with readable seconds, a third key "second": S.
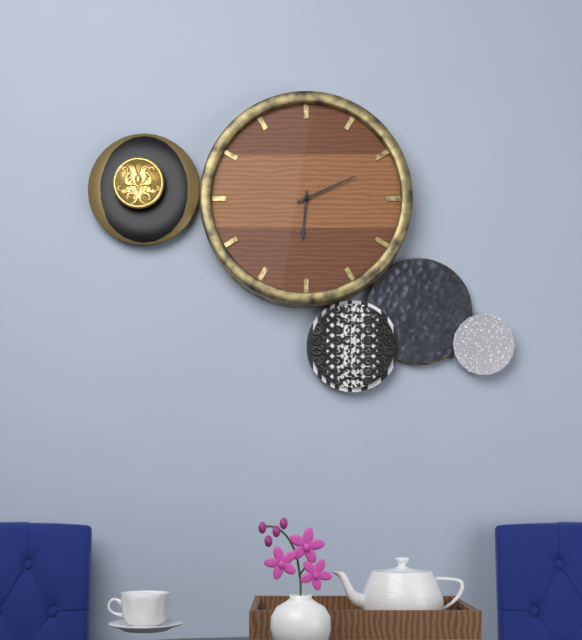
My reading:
{"hour": 6, "minute": 11}
